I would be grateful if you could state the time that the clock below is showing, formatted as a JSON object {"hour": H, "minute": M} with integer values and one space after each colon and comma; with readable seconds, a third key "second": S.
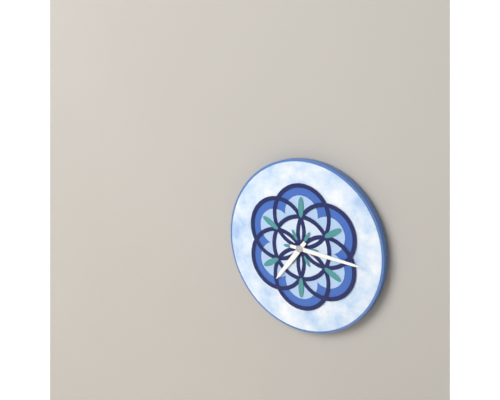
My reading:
{"hour": 7, "minute": 16}
